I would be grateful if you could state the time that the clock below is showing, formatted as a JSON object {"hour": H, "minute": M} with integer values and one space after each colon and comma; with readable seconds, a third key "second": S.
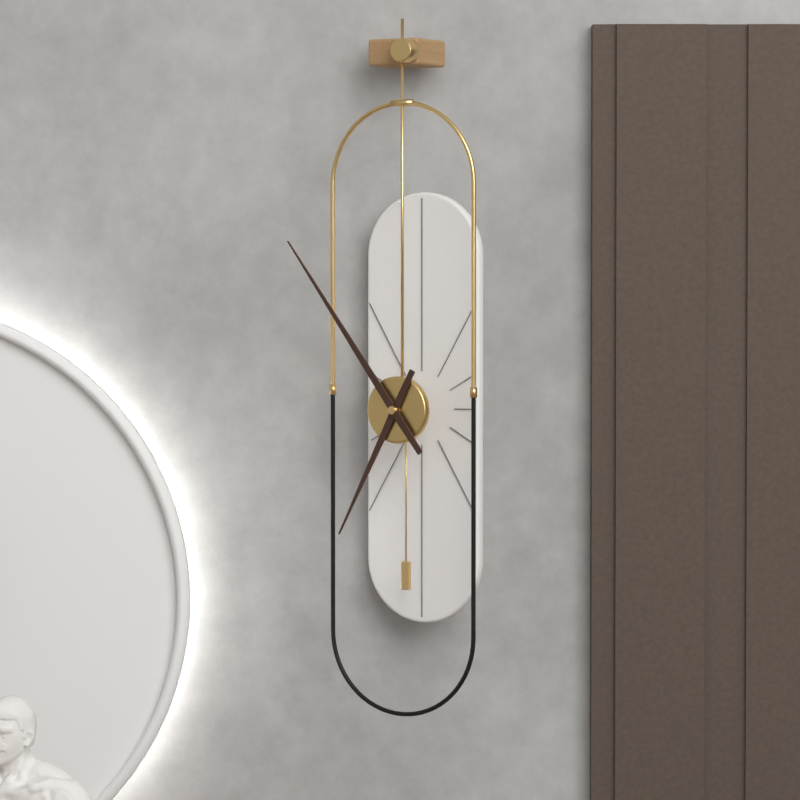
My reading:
{"hour": 6, "minute": 54}
